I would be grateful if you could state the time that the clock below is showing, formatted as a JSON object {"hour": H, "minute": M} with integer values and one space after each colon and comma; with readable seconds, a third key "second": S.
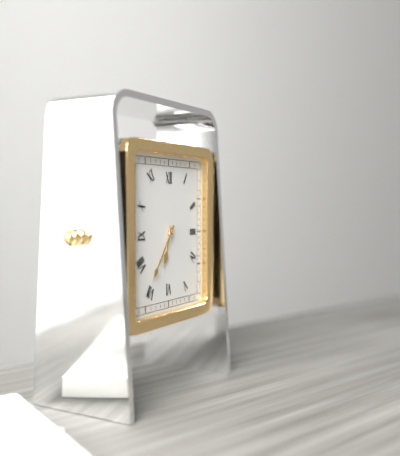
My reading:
{"hour": 6, "minute": 36}
